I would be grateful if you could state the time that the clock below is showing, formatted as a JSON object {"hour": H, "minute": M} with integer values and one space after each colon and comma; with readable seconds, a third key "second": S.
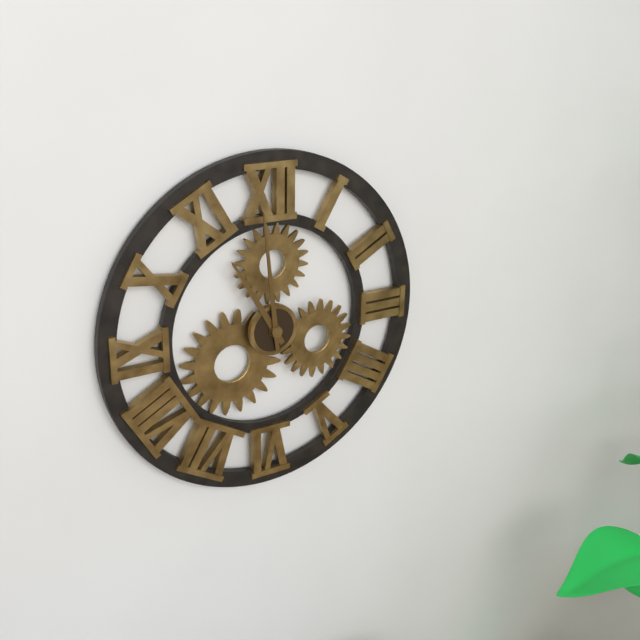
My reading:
{"hour": 10, "minute": 59}
